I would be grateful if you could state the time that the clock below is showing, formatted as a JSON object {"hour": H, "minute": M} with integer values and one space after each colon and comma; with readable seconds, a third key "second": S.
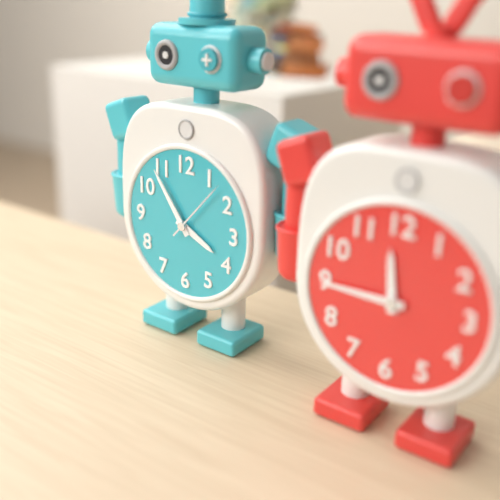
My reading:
{"hour": 3, "minute": 54, "second": 7}
